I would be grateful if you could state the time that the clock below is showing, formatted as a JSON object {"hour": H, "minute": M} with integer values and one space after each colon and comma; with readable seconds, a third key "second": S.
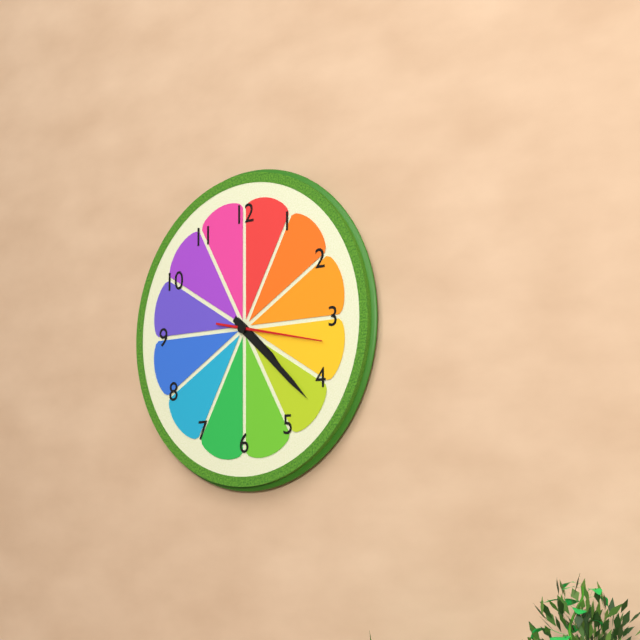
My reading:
{"hour": 4, "minute": 22, "second": 17}
